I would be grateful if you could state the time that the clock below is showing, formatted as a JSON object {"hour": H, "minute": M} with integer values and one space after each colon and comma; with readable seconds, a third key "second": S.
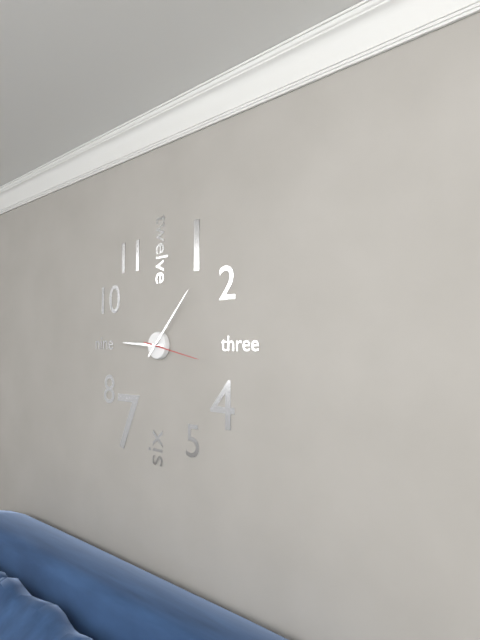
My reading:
{"hour": 9, "minute": 7, "second": 17}
